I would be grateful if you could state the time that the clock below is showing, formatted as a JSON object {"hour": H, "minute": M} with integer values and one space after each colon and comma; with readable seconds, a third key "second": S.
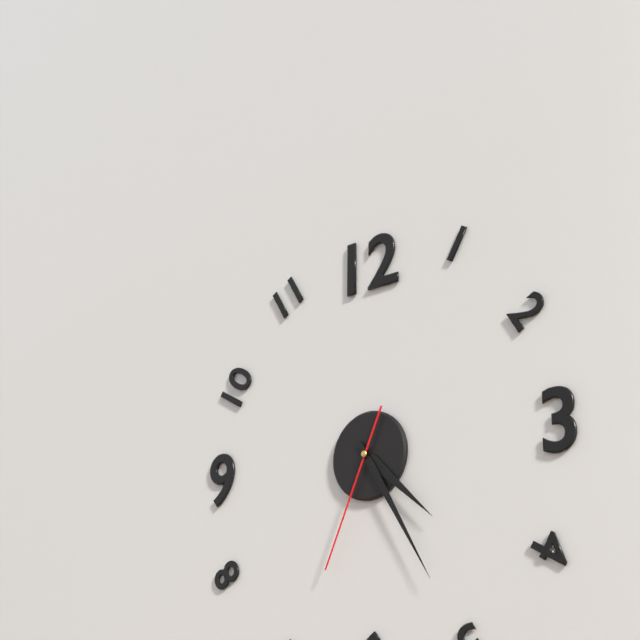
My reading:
{"hour": 4, "minute": 25, "second": 34}
